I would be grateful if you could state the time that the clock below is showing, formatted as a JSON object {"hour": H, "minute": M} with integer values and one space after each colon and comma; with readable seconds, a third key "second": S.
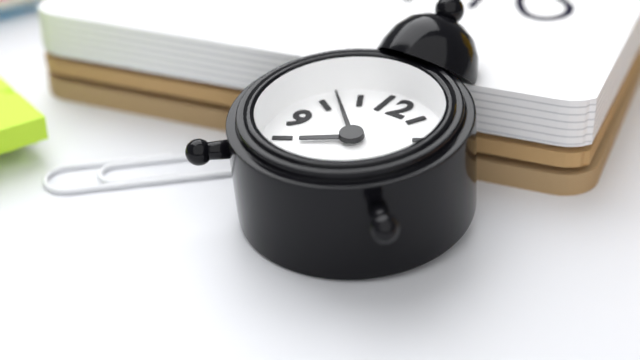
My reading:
{"hour": 7, "minute": 52}
